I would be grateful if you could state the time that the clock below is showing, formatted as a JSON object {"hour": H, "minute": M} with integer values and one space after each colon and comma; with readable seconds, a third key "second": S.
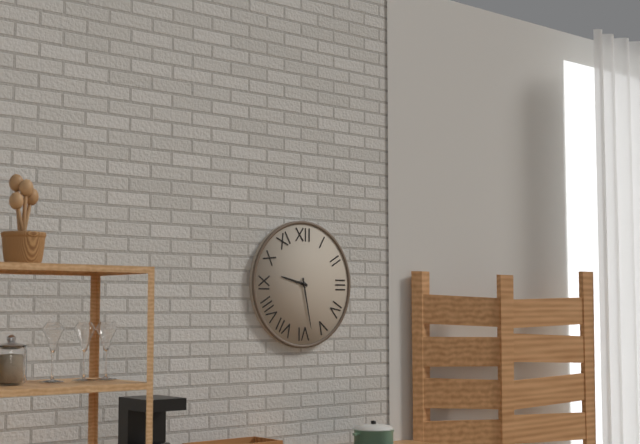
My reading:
{"hour": 9, "minute": 28}
